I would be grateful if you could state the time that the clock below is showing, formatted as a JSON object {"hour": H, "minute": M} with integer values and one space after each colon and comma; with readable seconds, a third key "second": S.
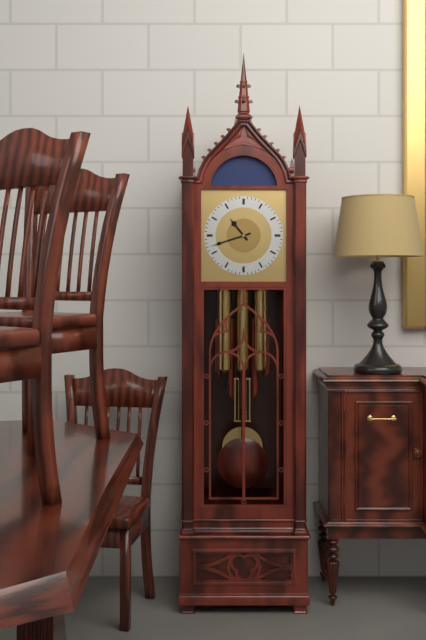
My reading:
{"hour": 10, "minute": 42}
